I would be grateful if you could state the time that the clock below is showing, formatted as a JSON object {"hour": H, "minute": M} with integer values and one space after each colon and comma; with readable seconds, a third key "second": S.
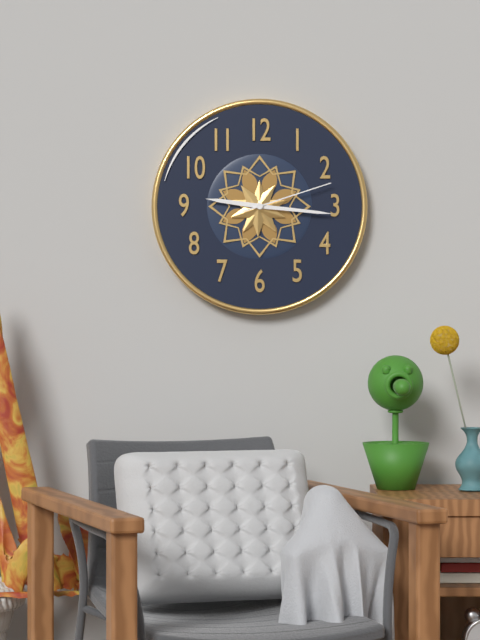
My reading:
{"hour": 9, "minute": 16, "second": 12}
